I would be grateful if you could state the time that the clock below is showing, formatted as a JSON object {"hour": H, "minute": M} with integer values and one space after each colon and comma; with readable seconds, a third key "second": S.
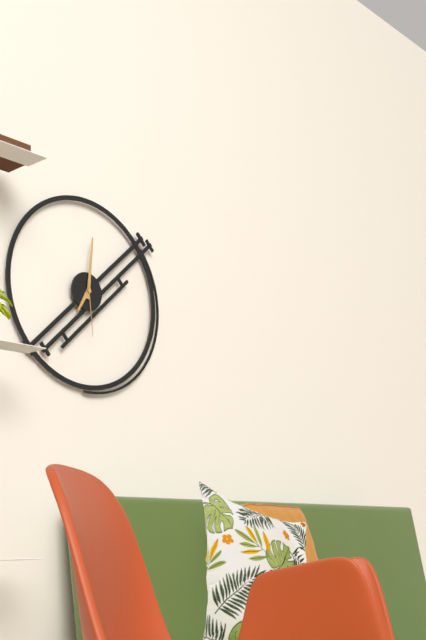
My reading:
{"hour": 7, "minute": 1, "second": 29}
